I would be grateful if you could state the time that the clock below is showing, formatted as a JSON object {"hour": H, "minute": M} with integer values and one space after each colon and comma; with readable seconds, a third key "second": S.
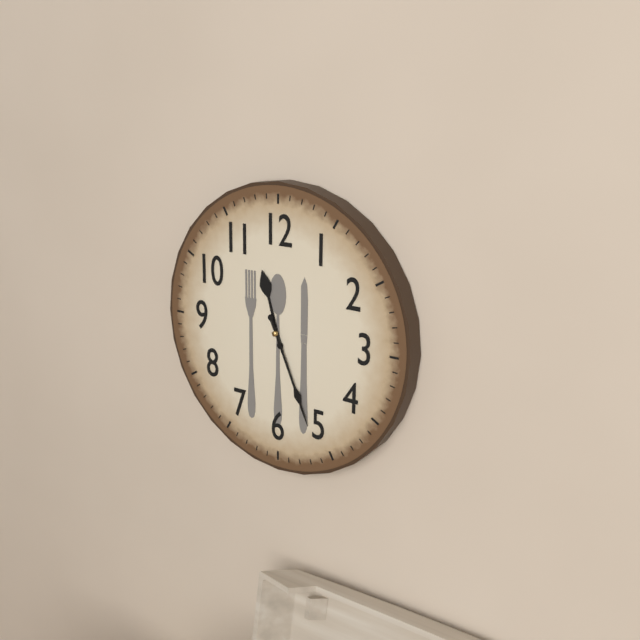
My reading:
{"hour": 11, "minute": 26}
